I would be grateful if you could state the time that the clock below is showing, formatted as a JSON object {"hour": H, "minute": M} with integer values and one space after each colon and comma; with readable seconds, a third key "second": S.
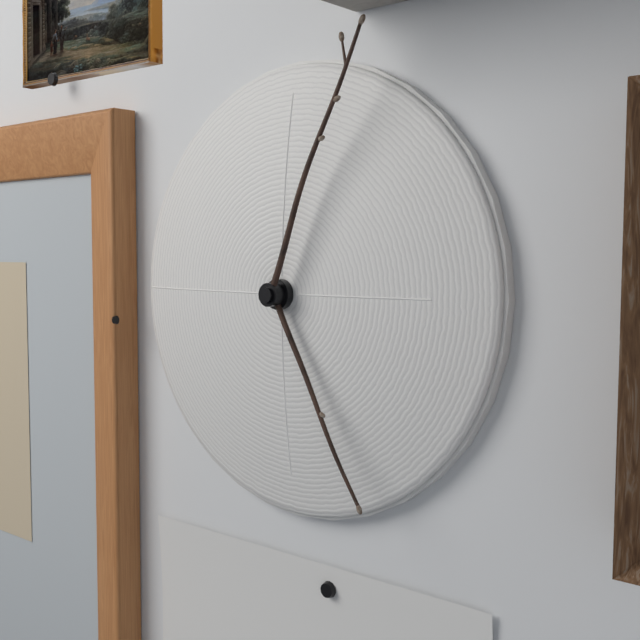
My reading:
{"hour": 5, "minute": 4}
